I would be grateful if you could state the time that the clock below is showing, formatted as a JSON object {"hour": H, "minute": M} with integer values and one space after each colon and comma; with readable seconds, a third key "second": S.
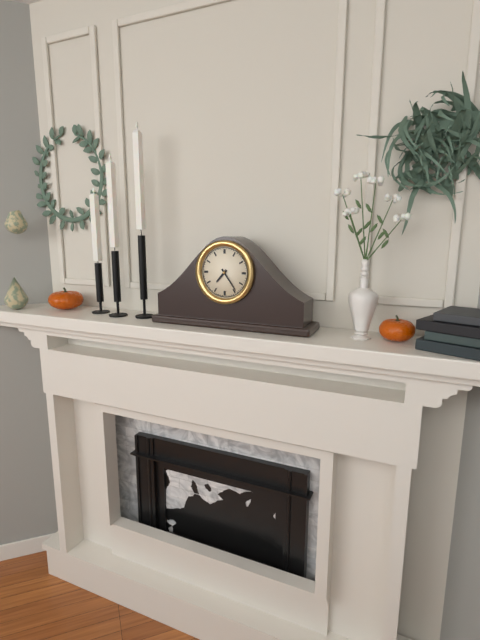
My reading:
{"hour": 7, "minute": 24}
